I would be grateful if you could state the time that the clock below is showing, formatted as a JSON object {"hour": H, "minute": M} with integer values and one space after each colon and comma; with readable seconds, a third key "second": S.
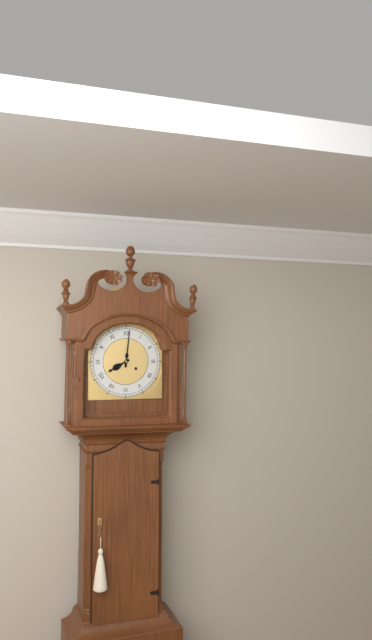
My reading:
{"hour": 8, "minute": 1}
